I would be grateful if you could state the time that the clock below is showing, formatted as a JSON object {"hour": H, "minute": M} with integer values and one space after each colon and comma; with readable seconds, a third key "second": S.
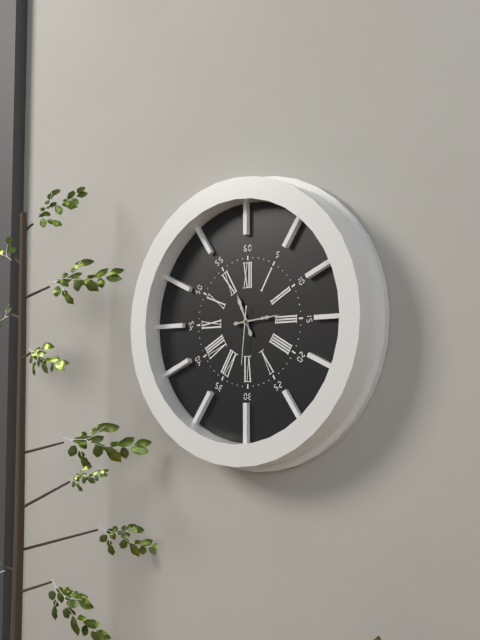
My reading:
{"hour": 11, "minute": 14, "second": 31}
